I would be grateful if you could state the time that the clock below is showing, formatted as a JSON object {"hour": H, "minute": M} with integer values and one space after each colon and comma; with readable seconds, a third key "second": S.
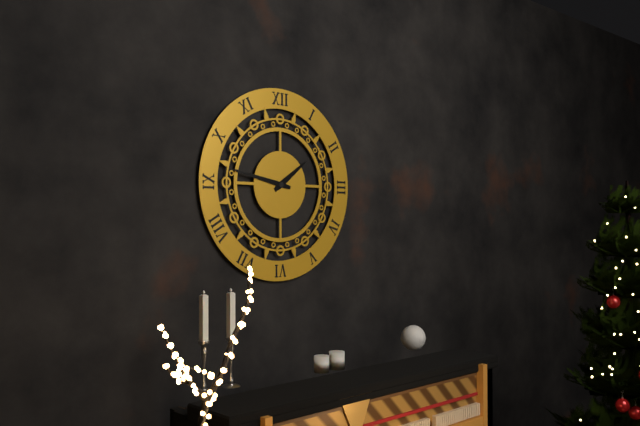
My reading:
{"hour": 1, "minute": 47}
